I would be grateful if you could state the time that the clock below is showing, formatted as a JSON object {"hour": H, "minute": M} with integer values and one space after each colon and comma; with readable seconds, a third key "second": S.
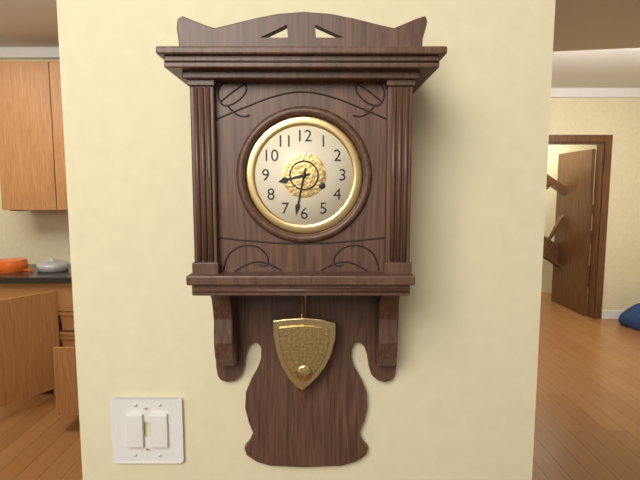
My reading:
{"hour": 8, "minute": 32}
